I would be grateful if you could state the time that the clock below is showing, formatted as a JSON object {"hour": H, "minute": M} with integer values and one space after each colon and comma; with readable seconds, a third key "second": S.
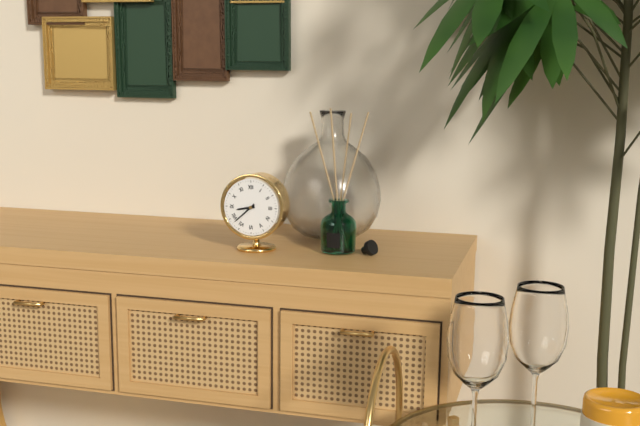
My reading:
{"hour": 8, "minute": 38}
